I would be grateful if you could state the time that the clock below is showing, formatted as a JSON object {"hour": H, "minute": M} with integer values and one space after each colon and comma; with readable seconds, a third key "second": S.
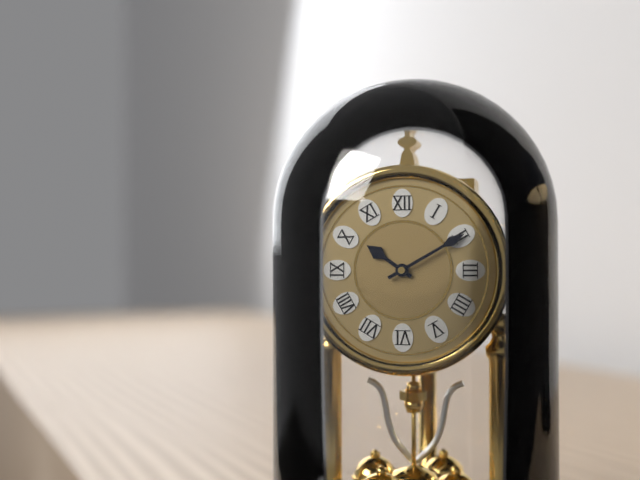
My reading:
{"hour": 10, "minute": 10}
